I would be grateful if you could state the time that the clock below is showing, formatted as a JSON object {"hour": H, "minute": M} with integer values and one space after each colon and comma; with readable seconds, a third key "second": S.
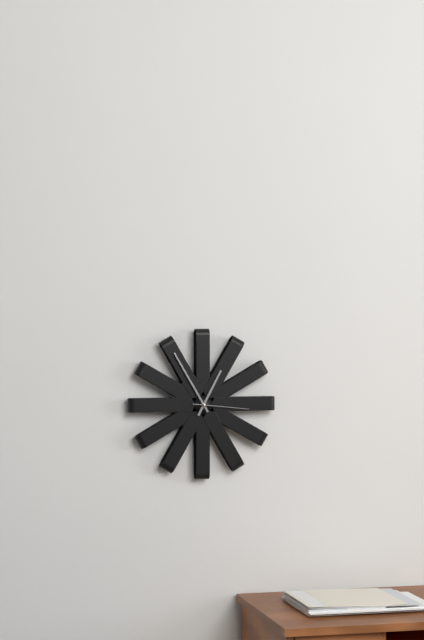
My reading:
{"hour": 12, "minute": 55, "second": 16}
